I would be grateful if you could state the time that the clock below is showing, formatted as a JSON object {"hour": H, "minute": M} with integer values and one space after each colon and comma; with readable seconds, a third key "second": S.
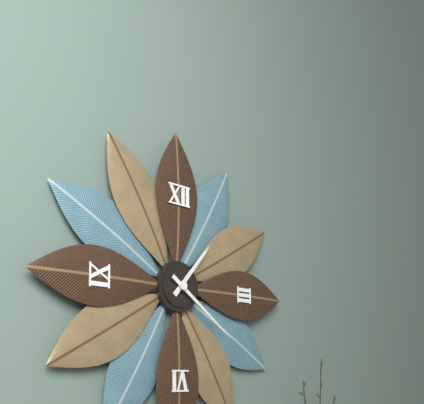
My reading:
{"hour": 1, "minute": 21}
